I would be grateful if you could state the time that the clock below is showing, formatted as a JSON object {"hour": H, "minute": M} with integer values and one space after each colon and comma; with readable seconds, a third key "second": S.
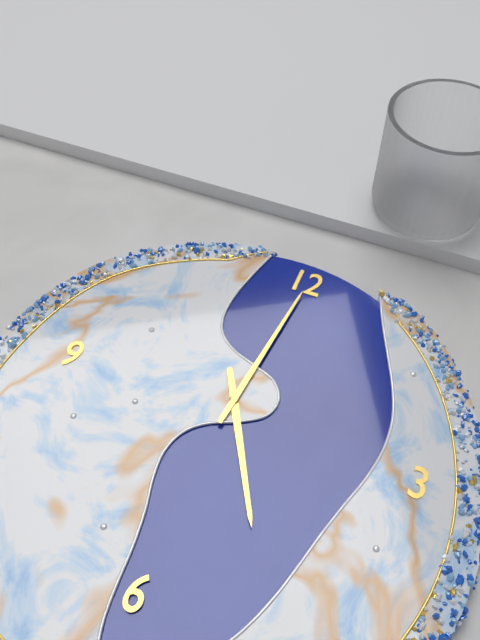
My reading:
{"hour": 5, "minute": 1}
